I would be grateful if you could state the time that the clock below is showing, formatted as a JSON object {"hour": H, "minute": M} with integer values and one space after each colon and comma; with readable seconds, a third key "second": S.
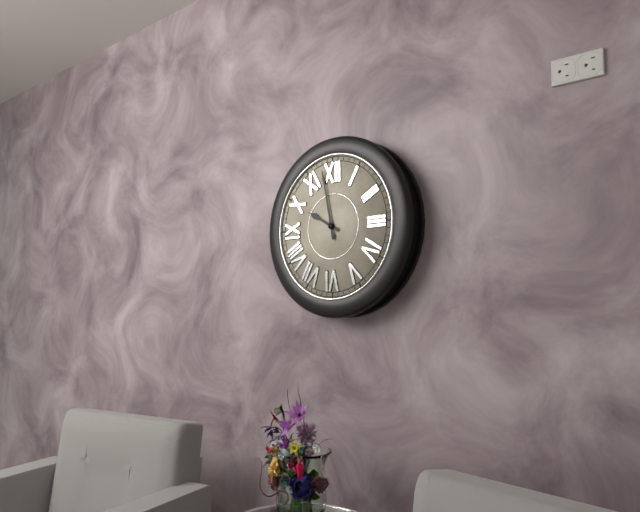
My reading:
{"hour": 9, "minute": 58}
